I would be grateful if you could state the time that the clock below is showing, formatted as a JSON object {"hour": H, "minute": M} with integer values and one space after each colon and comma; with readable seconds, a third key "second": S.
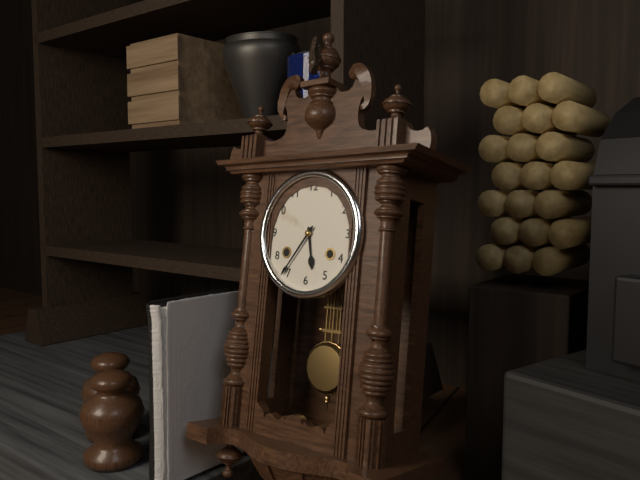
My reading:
{"hour": 5, "minute": 36}
